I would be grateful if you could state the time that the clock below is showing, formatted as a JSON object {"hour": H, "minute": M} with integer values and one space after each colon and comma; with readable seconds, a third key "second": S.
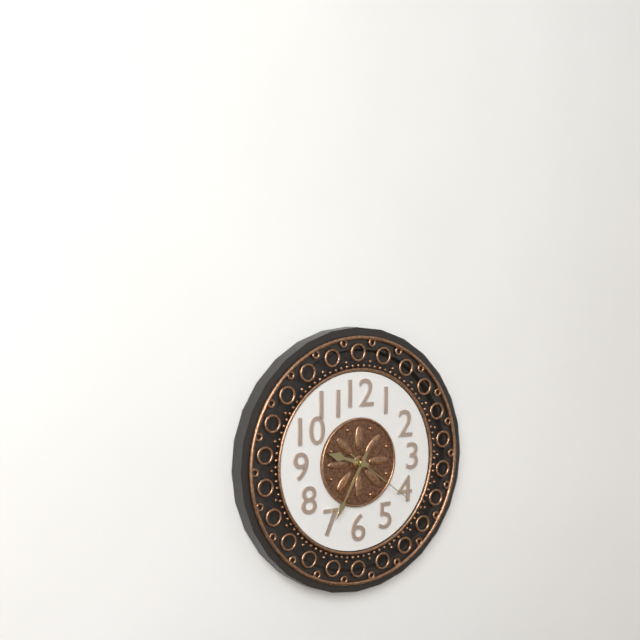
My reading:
{"hour": 9, "minute": 35, "second": 21}
